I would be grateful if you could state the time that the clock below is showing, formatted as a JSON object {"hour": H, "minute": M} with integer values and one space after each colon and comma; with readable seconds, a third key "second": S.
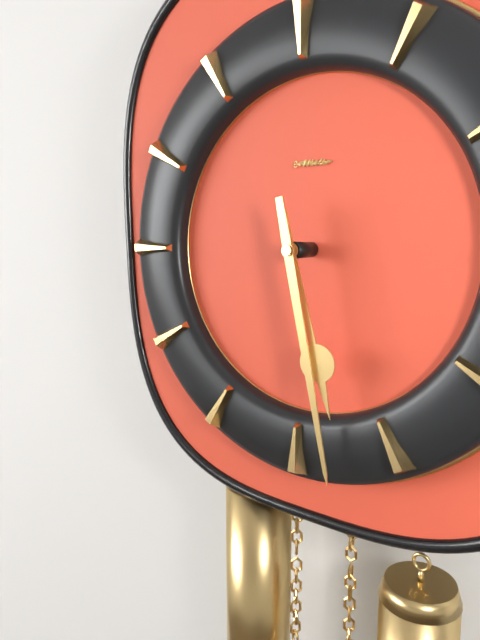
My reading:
{"hour": 5, "minute": 28}
